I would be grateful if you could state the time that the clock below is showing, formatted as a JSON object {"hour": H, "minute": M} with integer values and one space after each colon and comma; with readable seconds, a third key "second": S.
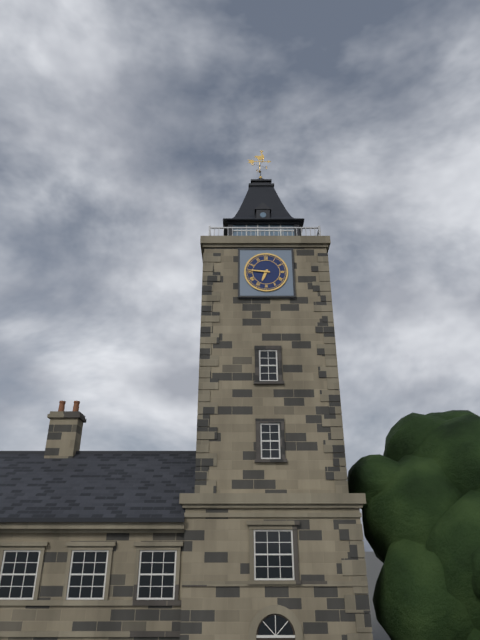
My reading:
{"hour": 6, "minute": 46}
